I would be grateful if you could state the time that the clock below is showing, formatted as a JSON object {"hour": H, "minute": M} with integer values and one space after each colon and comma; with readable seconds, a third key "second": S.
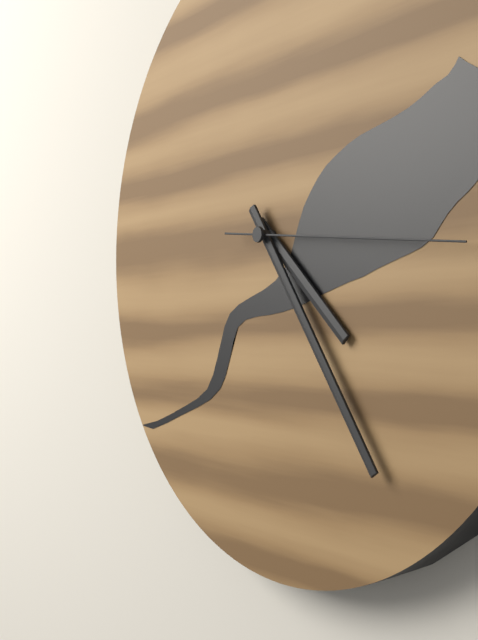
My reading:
{"hour": 4, "minute": 24, "second": 16}
